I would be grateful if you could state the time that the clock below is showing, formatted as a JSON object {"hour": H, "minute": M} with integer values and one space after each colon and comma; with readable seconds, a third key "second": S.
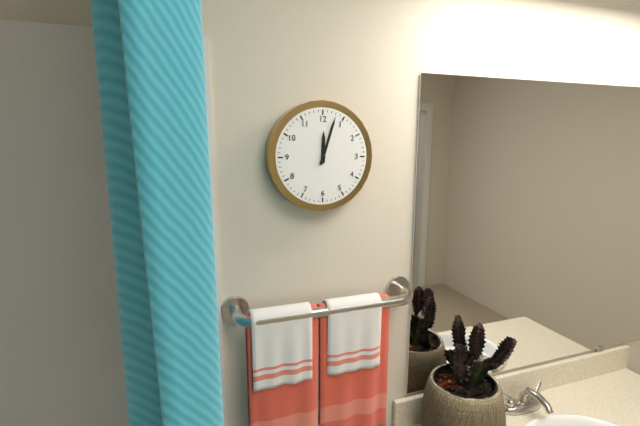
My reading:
{"hour": 12, "minute": 3}
